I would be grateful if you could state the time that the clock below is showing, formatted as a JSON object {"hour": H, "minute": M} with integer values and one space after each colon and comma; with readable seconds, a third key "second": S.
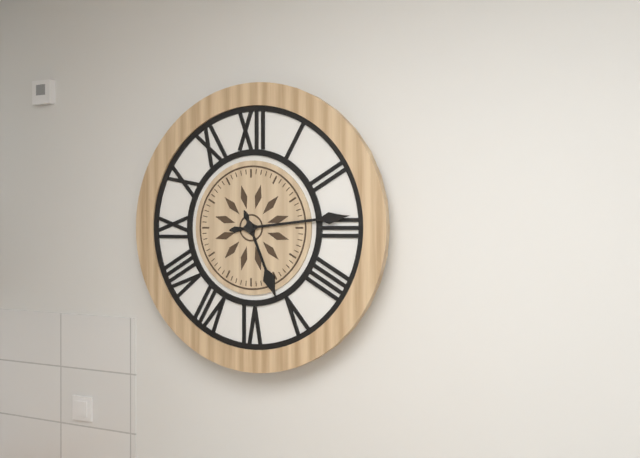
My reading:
{"hour": 5, "minute": 14}
